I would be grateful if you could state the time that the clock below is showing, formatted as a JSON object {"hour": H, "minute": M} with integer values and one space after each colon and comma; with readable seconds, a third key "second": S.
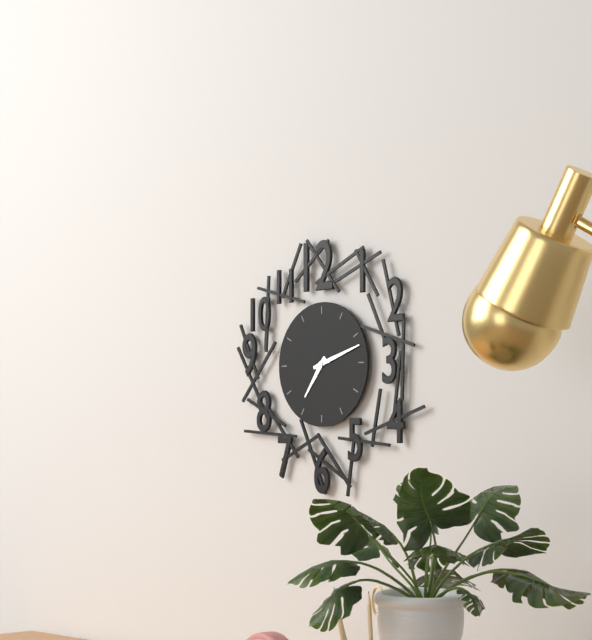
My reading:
{"hour": 7, "minute": 12}
